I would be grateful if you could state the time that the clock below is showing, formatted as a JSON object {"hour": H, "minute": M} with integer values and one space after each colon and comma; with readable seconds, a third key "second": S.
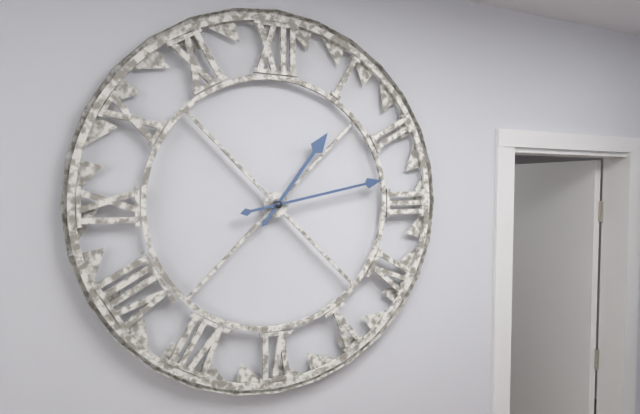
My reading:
{"hour": 1, "minute": 13}
